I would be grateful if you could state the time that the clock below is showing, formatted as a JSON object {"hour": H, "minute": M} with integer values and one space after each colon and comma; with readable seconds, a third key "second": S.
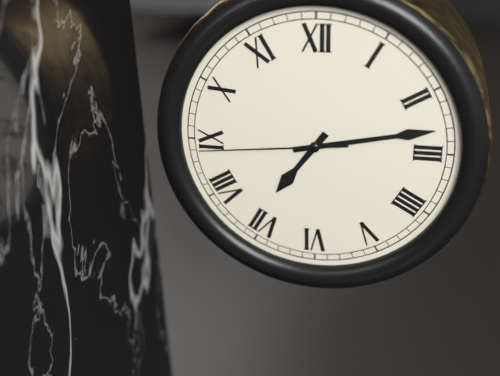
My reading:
{"hour": 7, "minute": 13, "second": 44}
